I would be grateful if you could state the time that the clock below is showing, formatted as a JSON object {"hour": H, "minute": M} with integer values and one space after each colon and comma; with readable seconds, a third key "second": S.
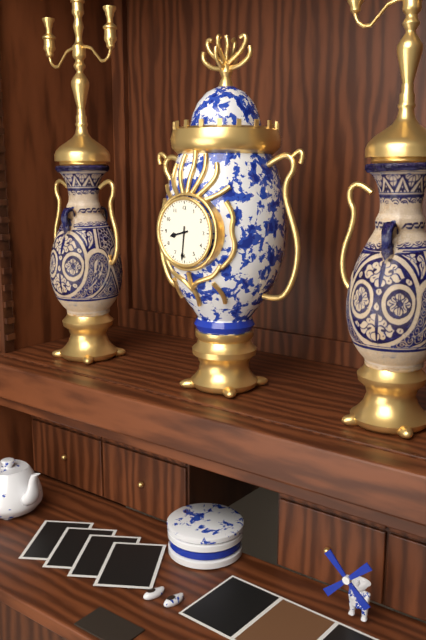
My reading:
{"hour": 8, "minute": 31}
